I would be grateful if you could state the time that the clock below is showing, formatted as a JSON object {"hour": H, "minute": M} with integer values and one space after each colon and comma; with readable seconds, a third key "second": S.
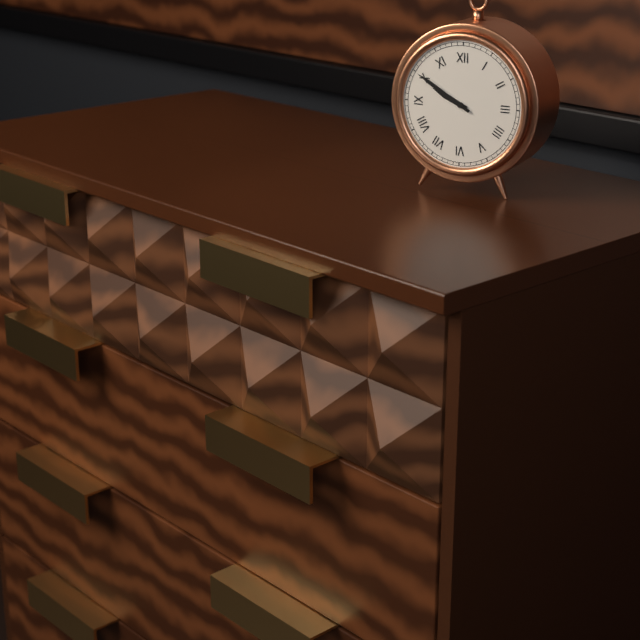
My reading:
{"hour": 9, "minute": 50}
